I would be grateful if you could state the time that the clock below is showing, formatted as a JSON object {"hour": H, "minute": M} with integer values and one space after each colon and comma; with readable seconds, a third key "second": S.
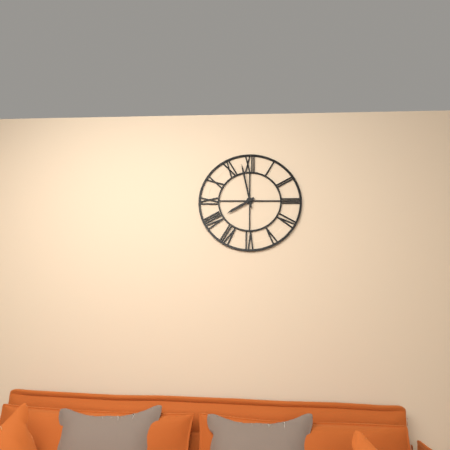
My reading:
{"hour": 7, "minute": 58}
